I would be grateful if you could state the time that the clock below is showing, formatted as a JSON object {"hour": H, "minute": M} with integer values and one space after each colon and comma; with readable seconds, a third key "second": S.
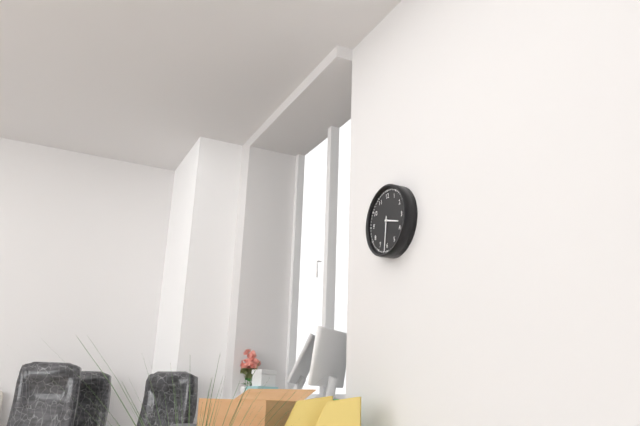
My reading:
{"hour": 3, "minute": 31}
